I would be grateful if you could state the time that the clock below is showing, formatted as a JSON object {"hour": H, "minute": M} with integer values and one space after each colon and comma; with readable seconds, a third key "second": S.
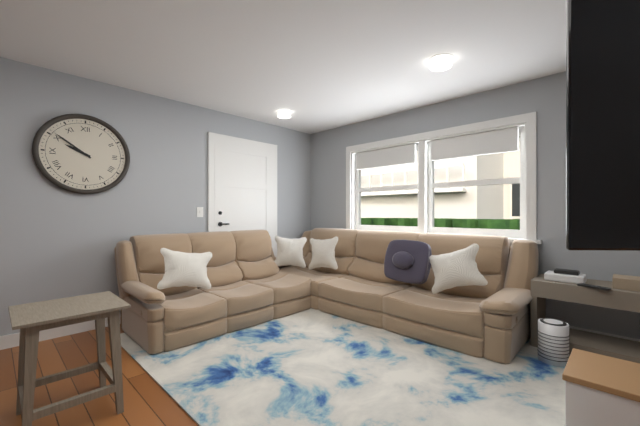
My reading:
{"hour": 9, "minute": 51}
